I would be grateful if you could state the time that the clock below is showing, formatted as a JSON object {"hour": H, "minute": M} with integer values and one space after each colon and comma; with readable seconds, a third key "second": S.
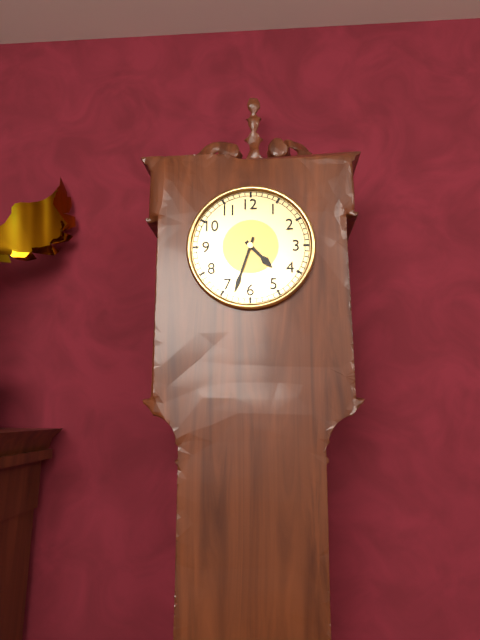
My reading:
{"hour": 4, "minute": 33}
